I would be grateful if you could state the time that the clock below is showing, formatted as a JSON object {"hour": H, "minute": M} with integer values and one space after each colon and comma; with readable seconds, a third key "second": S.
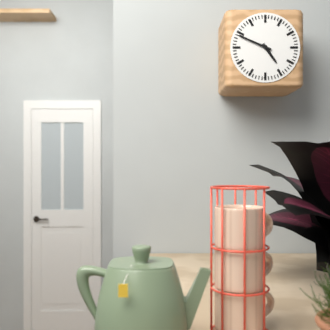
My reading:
{"hour": 4, "minute": 49}
